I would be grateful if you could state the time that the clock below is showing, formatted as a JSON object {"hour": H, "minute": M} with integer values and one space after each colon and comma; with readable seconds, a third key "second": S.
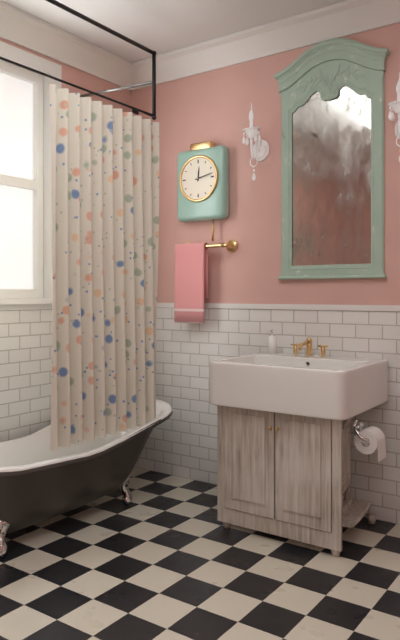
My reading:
{"hour": 12, "minute": 13}
